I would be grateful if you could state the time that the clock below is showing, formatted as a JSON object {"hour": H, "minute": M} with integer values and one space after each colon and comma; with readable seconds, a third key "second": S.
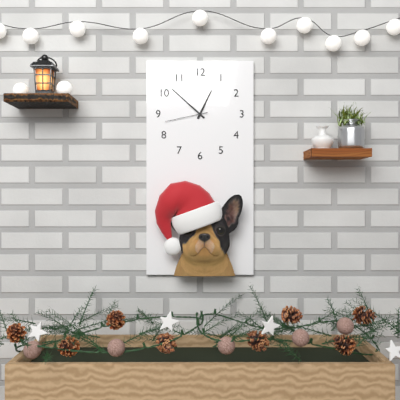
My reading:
{"hour": 12, "minute": 52}
